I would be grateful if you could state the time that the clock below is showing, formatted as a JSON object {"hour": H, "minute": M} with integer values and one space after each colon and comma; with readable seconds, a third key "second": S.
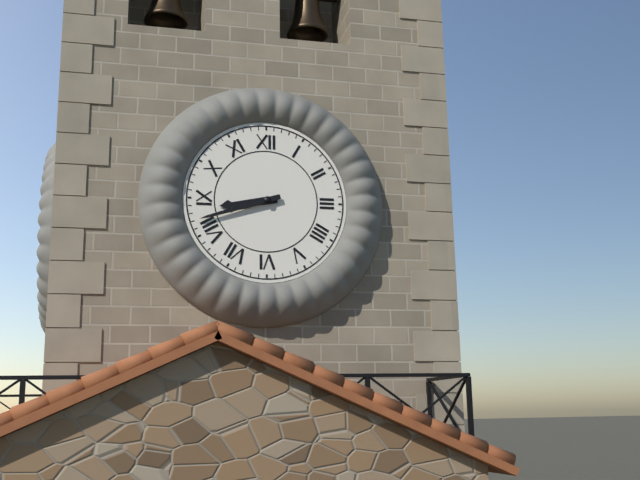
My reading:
{"hour": 8, "minute": 42}
